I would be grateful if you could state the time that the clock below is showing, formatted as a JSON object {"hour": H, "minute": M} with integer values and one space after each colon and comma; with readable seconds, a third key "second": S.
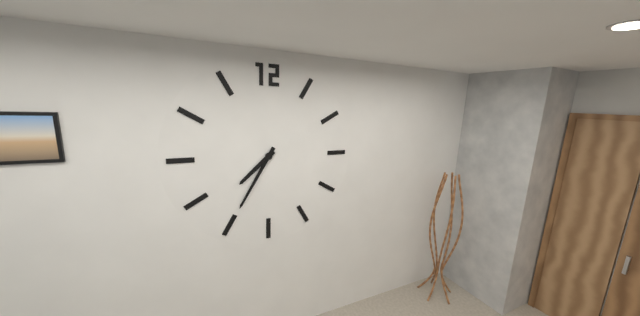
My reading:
{"hour": 7, "minute": 35}
